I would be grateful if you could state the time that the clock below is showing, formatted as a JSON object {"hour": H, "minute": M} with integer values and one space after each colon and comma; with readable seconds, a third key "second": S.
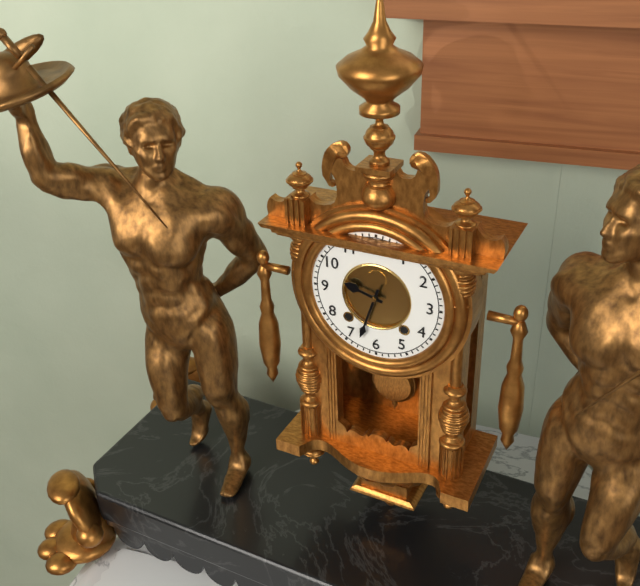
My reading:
{"hour": 9, "minute": 33}
